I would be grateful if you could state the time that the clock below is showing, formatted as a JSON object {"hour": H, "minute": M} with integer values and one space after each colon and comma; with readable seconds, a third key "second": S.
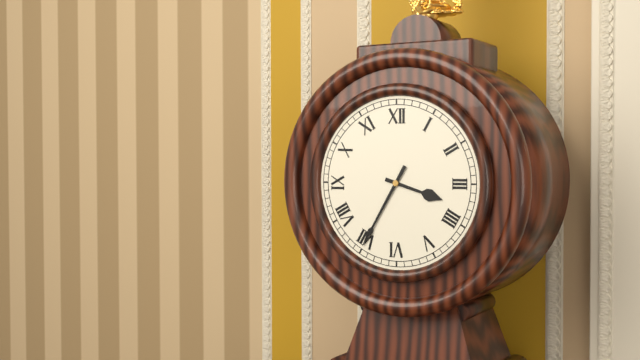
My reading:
{"hour": 3, "minute": 35}
